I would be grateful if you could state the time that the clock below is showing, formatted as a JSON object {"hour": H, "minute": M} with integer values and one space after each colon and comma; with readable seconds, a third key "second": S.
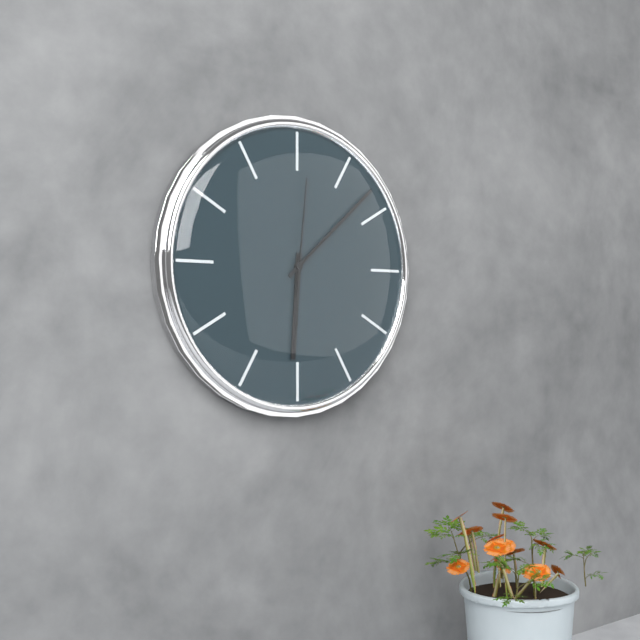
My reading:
{"hour": 6, "minute": 8, "second": 1}
